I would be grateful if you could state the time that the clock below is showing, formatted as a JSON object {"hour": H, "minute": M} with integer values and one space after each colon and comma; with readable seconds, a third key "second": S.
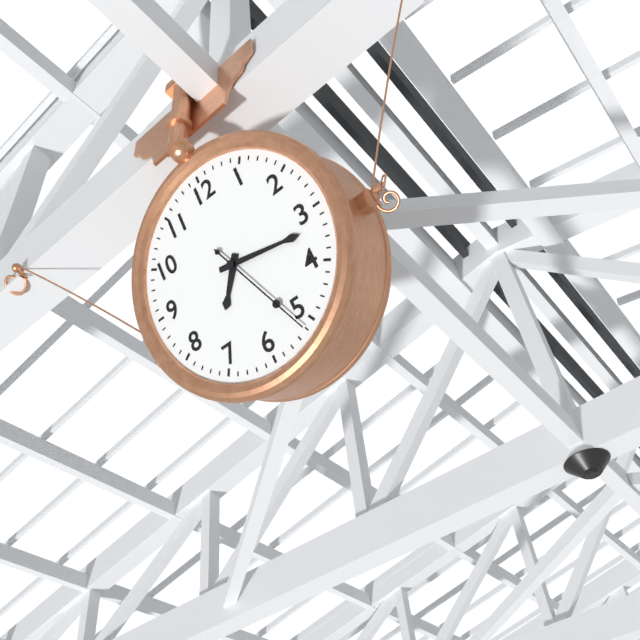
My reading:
{"hour": 7, "minute": 17, "second": 26}
